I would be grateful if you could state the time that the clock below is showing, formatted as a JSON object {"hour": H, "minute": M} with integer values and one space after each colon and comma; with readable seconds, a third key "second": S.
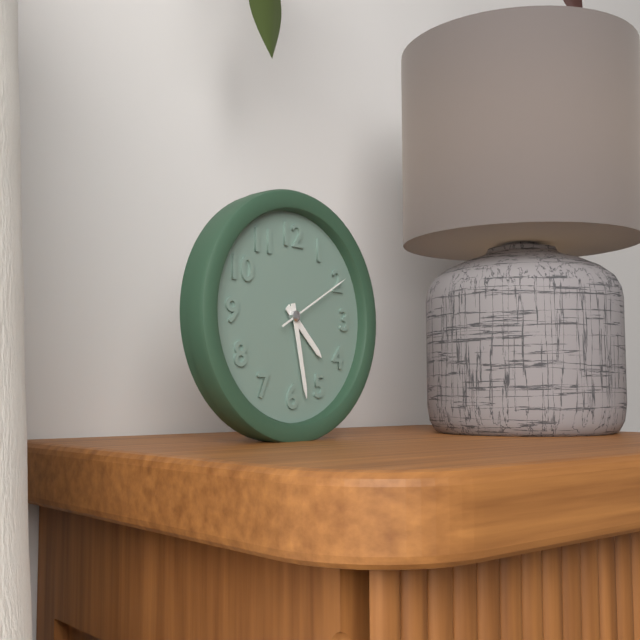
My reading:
{"hour": 4, "minute": 28, "second": 10}
